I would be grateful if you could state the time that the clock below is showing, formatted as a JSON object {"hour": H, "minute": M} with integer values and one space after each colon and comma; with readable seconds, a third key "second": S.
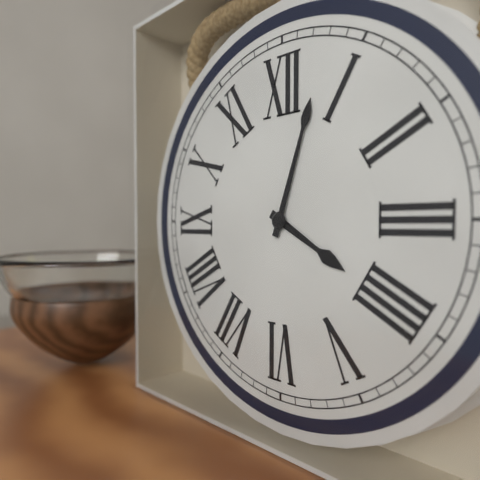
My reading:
{"hour": 4, "minute": 3}
